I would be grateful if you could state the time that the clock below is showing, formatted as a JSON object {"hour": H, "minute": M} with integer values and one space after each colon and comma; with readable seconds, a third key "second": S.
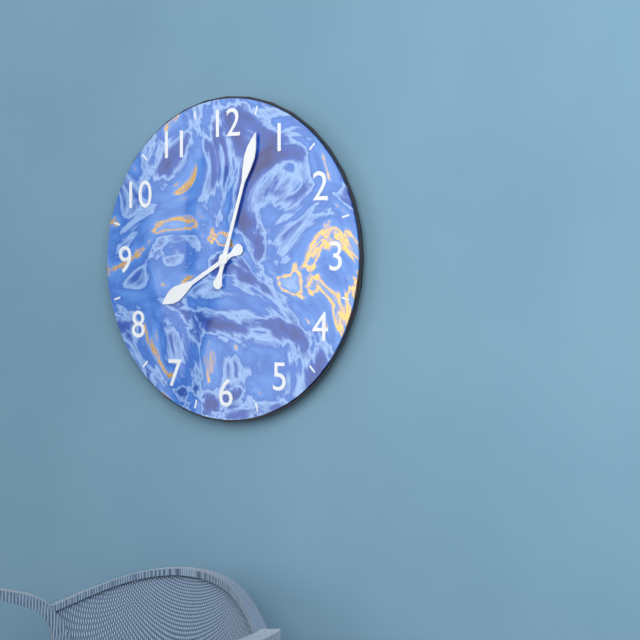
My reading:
{"hour": 8, "minute": 3}
